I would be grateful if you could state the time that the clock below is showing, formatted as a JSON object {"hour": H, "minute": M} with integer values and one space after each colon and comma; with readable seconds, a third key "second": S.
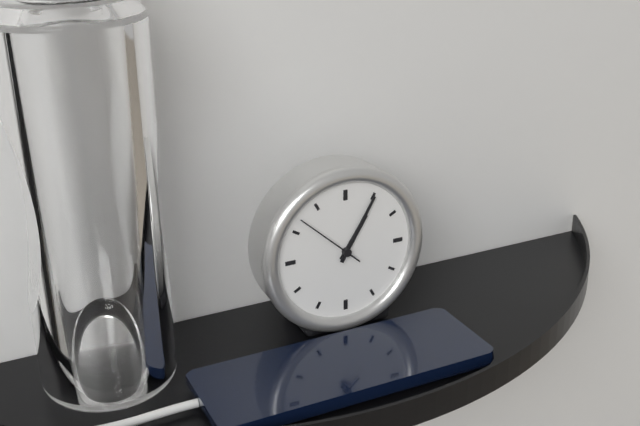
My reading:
{"hour": 1, "minute": 5, "second": 52}
